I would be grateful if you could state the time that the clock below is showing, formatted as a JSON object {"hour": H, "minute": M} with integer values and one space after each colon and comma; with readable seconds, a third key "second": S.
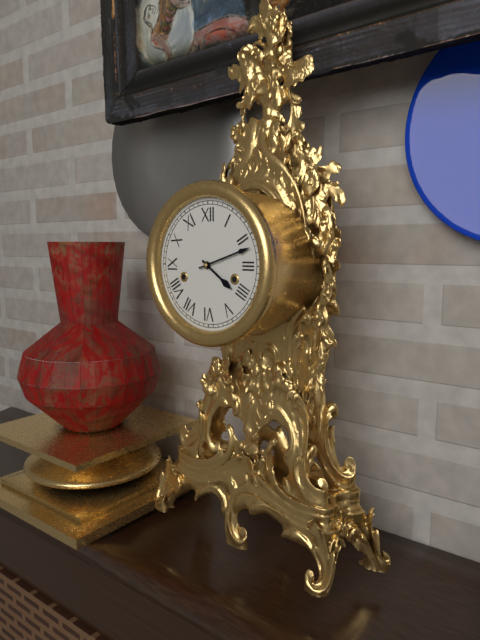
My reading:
{"hour": 4, "minute": 12}
